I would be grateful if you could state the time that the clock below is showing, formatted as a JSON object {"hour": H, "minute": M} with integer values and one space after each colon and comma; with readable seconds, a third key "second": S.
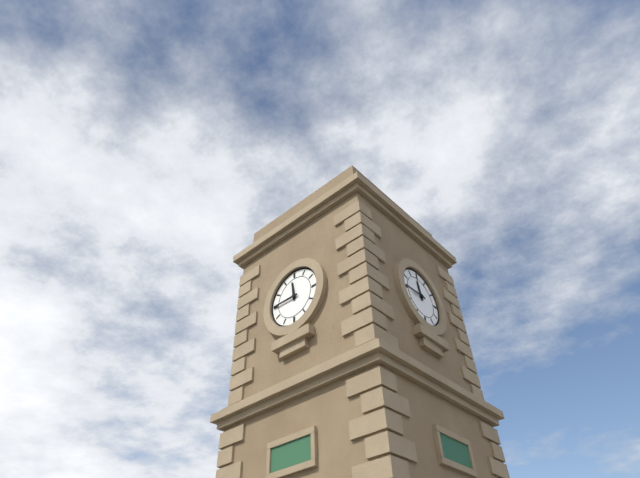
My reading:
{"hour": 11, "minute": 45}
